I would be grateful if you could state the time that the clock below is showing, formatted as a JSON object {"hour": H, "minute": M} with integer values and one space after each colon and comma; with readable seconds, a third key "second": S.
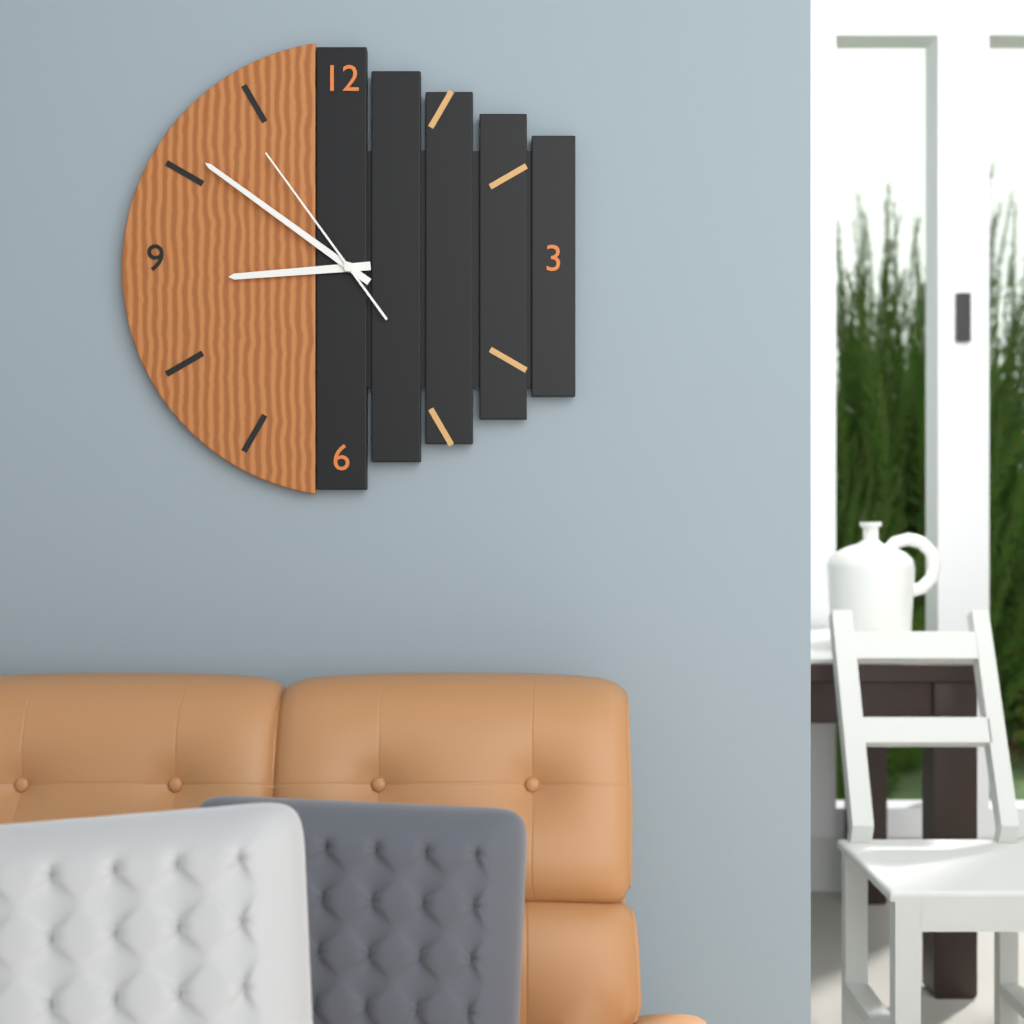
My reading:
{"hour": 8, "minute": 51, "second": 54}
